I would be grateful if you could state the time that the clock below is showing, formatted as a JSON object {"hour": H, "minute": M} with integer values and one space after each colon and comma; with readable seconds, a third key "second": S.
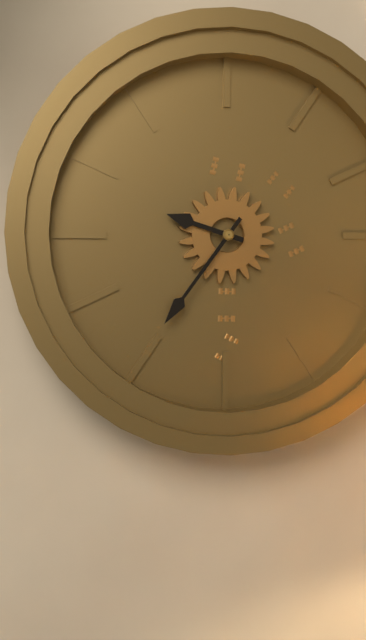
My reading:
{"hour": 9, "minute": 36}
